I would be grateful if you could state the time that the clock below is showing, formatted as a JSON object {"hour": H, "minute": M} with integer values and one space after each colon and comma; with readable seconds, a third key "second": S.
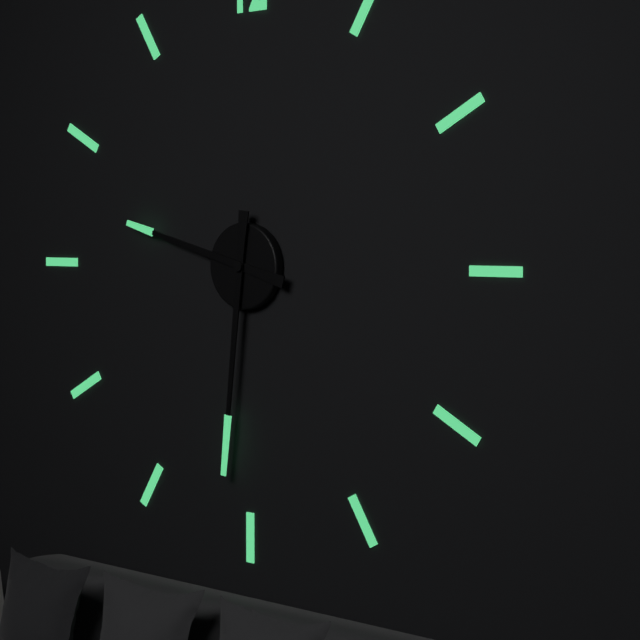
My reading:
{"hour": 9, "minute": 31}
